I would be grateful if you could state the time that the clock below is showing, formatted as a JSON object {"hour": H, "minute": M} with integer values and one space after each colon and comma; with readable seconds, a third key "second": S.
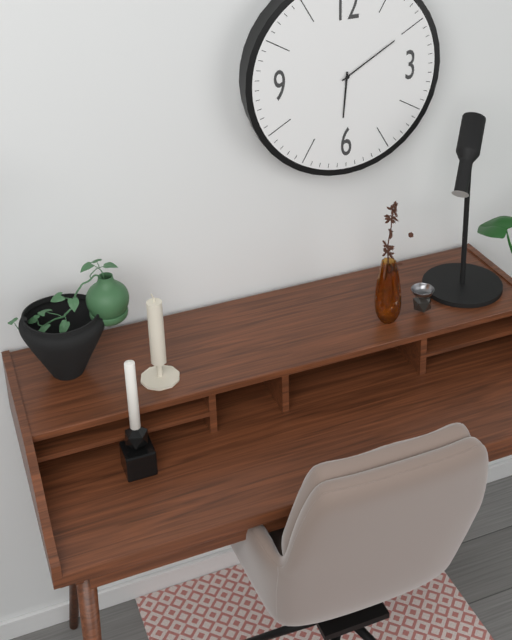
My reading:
{"hour": 6, "minute": 10}
